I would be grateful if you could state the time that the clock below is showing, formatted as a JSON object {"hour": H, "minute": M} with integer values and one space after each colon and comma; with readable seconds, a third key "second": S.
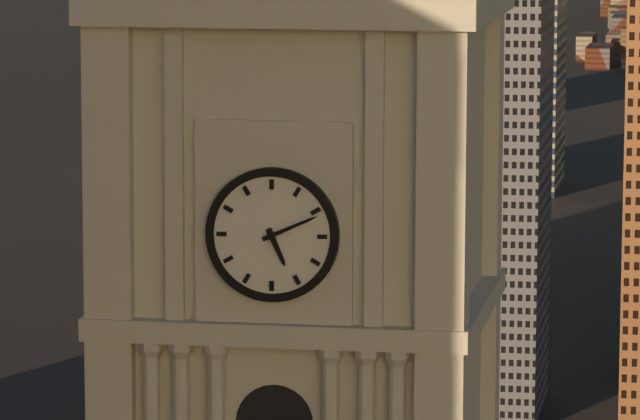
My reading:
{"hour": 5, "minute": 11}
